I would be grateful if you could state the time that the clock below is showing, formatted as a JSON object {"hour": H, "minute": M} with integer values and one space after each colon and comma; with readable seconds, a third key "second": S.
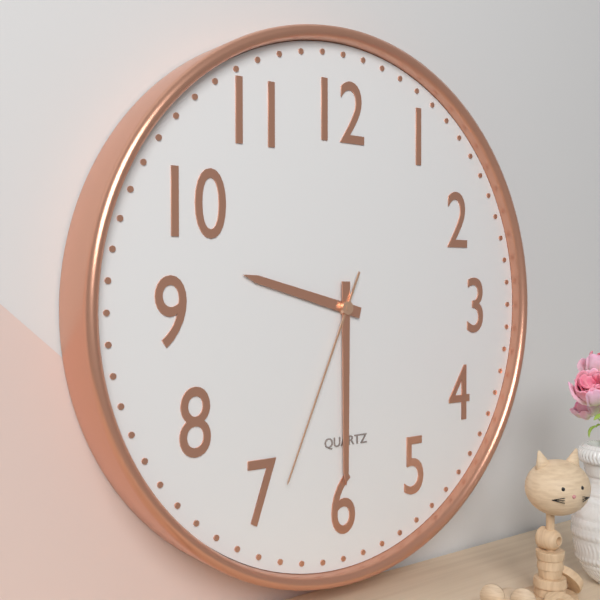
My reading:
{"hour": 9, "minute": 30, "second": 34}
